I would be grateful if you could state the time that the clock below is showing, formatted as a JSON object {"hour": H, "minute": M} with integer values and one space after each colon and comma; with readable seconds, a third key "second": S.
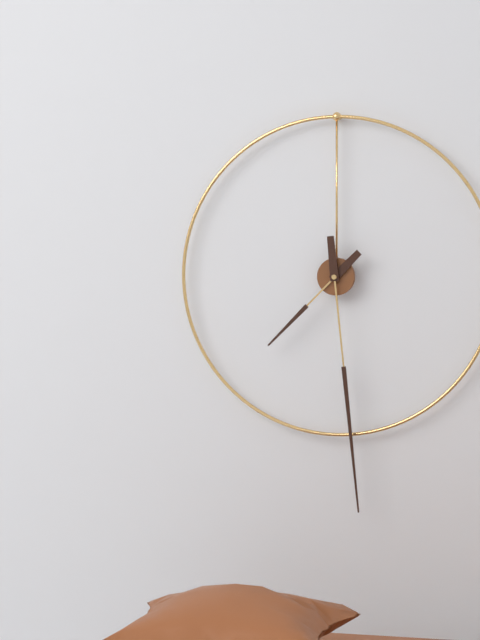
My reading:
{"hour": 7, "minute": 29}
